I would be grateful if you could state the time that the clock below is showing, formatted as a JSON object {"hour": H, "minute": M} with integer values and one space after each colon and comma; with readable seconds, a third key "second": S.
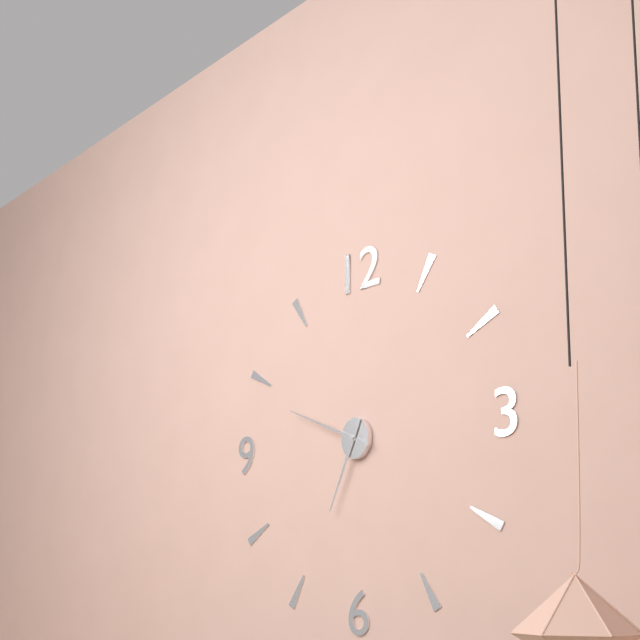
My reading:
{"hour": 6, "minute": 49}
